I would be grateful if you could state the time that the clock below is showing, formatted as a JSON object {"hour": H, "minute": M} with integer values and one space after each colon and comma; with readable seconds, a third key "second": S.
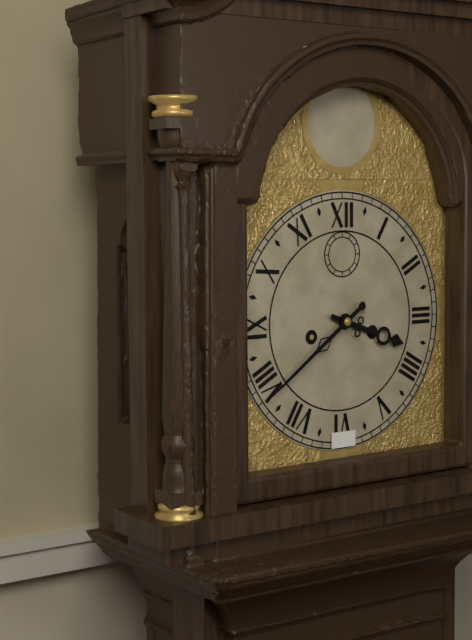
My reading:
{"hour": 3, "minute": 39}
